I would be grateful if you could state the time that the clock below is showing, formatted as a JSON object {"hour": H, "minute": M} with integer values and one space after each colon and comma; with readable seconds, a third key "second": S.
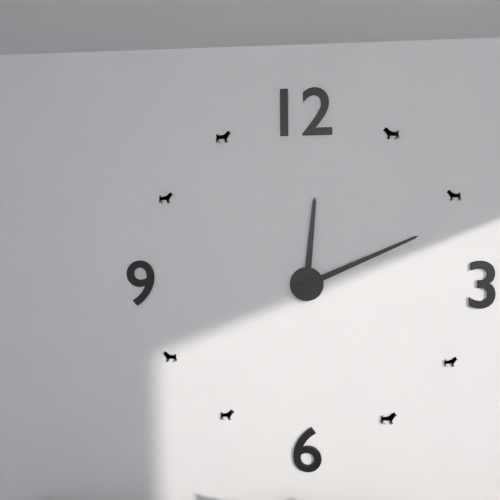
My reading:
{"hour": 12, "minute": 11}
